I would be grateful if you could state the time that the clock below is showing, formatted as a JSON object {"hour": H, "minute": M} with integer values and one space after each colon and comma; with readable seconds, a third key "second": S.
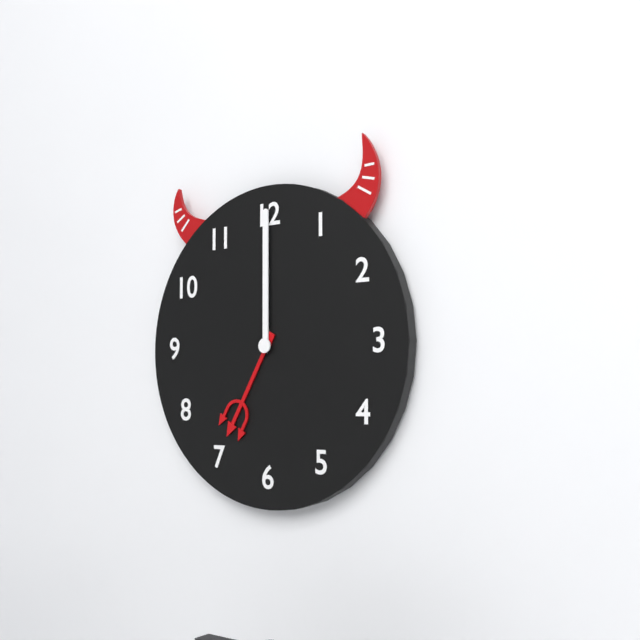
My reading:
{"hour": 7, "minute": 0}
